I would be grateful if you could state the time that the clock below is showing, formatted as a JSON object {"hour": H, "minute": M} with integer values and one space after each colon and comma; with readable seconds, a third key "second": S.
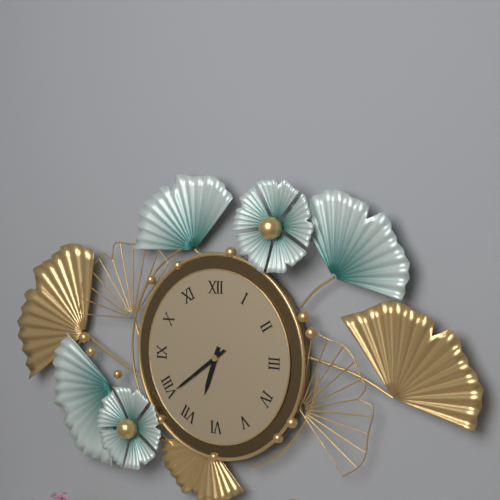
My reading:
{"hour": 6, "minute": 39}
